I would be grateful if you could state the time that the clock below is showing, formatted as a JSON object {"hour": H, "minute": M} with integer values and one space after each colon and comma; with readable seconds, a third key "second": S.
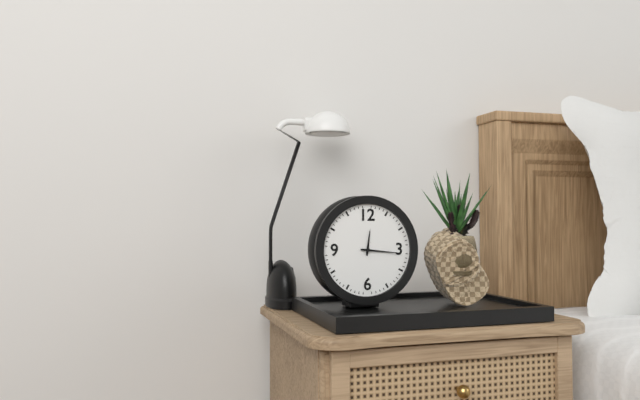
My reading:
{"hour": 12, "minute": 16}
